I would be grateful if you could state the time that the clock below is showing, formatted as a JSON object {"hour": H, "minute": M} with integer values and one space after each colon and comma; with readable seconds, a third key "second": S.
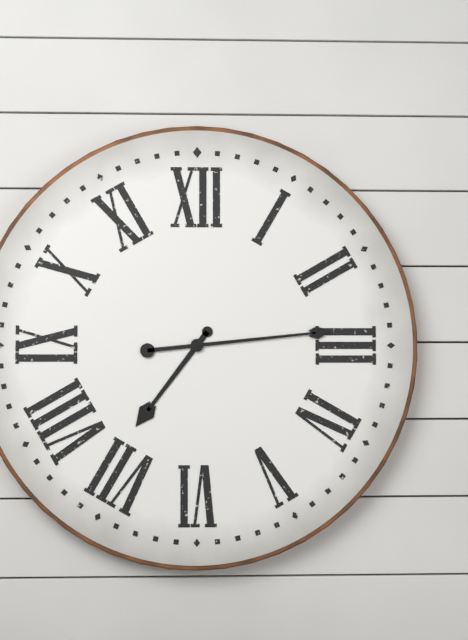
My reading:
{"hour": 7, "minute": 14}
